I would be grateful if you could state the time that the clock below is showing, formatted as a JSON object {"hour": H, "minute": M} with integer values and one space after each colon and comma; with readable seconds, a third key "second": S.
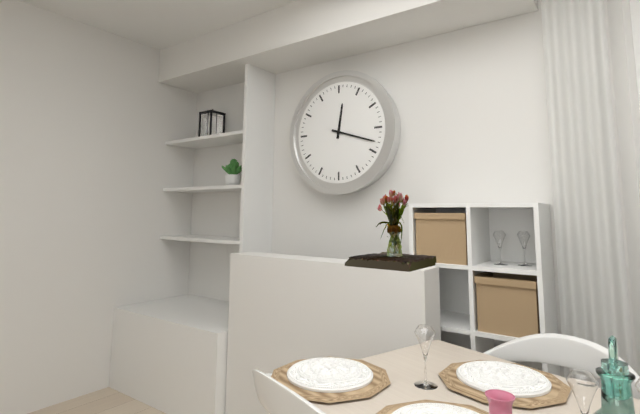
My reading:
{"hour": 12, "minute": 18}
